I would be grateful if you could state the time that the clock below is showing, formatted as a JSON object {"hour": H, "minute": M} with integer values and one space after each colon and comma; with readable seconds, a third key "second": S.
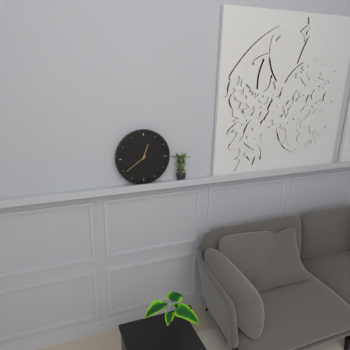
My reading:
{"hour": 12, "minute": 39}
